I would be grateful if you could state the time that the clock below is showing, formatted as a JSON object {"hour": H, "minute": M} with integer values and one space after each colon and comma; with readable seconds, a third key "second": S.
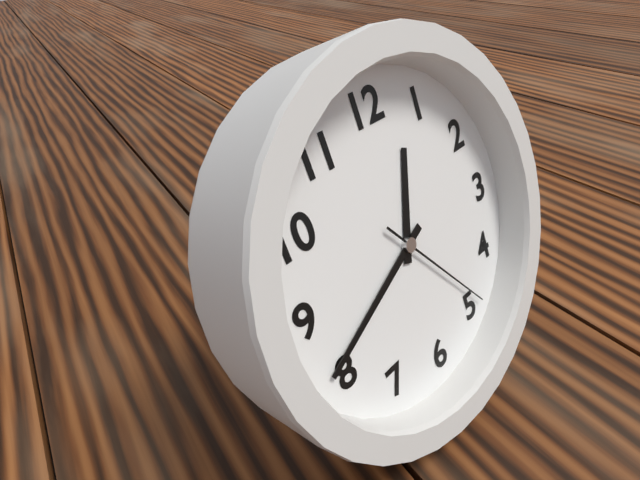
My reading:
{"hour": 12, "minute": 41, "second": 24}
